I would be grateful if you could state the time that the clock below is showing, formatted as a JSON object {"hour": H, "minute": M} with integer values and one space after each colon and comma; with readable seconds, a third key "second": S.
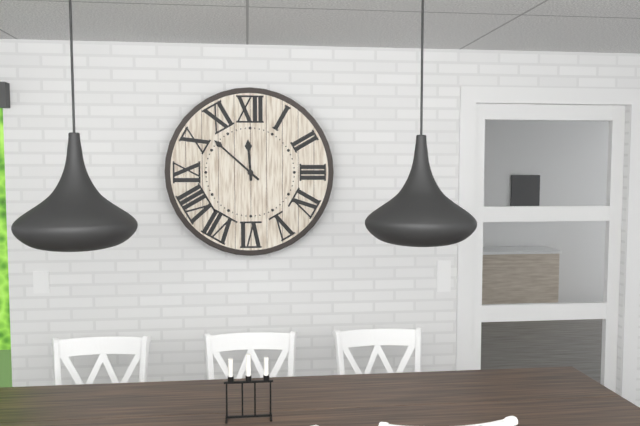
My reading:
{"hour": 11, "minute": 52}
